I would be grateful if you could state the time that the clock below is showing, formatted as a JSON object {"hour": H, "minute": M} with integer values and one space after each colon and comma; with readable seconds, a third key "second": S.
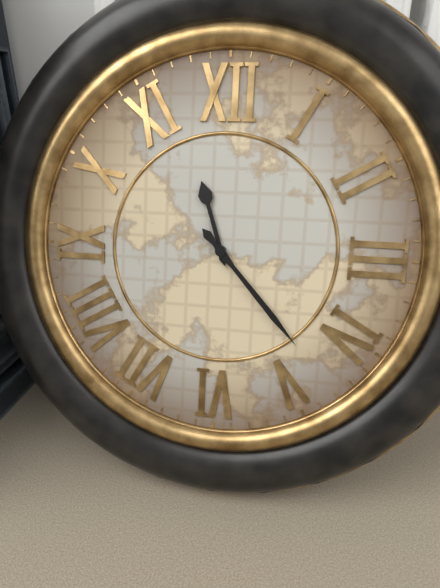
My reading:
{"hour": 11, "minute": 23}
